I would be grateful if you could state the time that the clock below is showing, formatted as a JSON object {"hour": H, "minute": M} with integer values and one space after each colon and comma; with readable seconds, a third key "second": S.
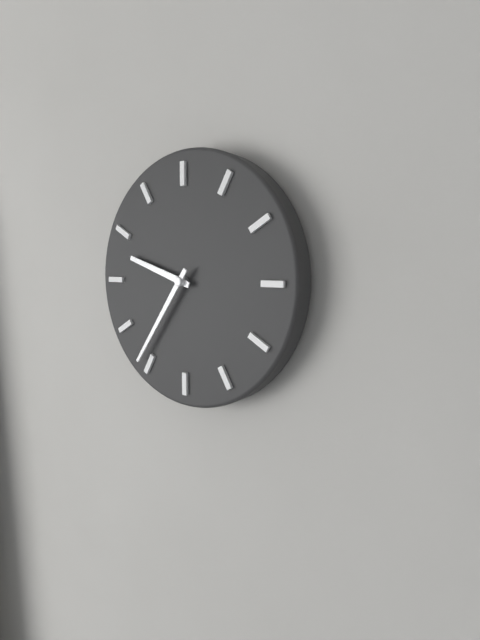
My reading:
{"hour": 9, "minute": 36}
